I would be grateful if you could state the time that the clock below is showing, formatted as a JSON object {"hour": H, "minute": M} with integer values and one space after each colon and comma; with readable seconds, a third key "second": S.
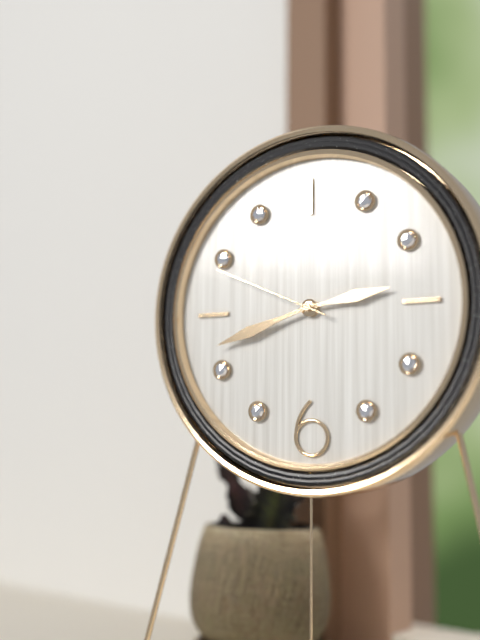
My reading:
{"hour": 2, "minute": 42, "second": 49}
